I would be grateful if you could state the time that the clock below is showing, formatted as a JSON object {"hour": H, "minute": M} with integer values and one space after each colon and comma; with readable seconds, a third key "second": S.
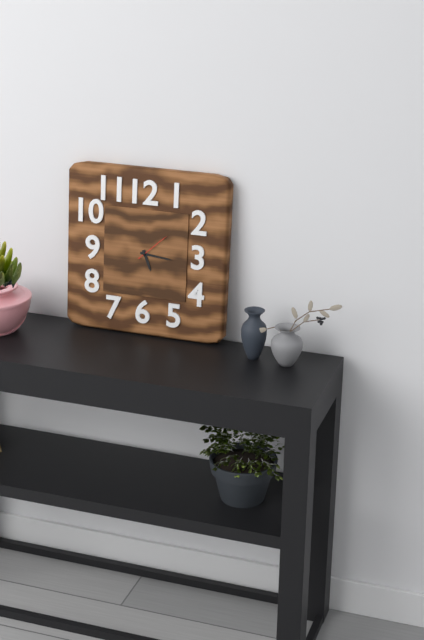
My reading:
{"hour": 5, "minute": 16}
